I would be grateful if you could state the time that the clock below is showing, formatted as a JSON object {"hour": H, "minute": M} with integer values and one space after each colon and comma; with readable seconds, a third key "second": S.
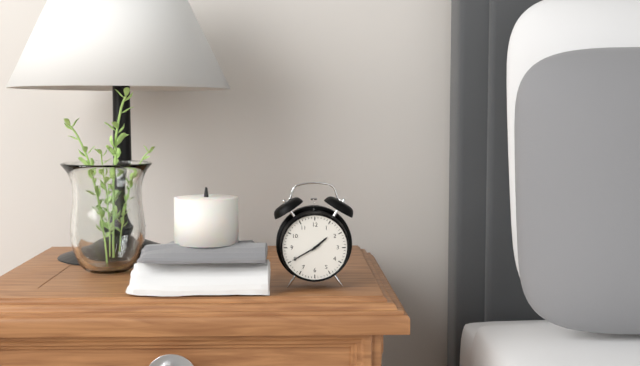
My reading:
{"hour": 1, "minute": 40}
